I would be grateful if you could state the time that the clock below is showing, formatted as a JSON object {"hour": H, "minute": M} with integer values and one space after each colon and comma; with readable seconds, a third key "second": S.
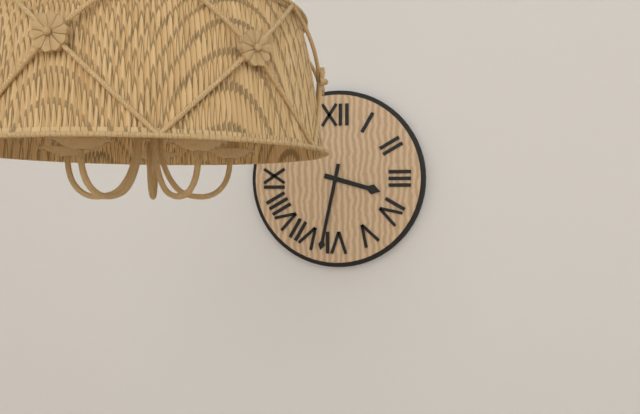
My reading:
{"hour": 3, "minute": 32}
